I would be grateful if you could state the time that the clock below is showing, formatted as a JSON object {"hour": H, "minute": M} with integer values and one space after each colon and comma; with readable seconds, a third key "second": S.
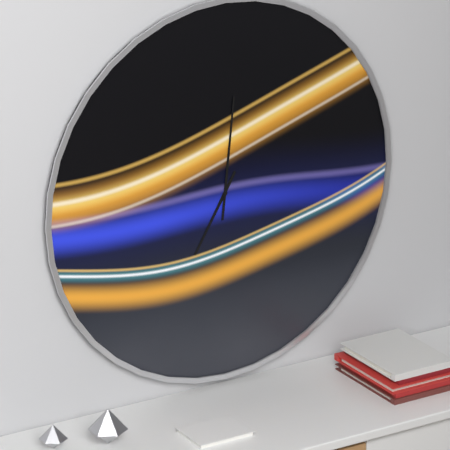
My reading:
{"hour": 7, "minute": 1}
